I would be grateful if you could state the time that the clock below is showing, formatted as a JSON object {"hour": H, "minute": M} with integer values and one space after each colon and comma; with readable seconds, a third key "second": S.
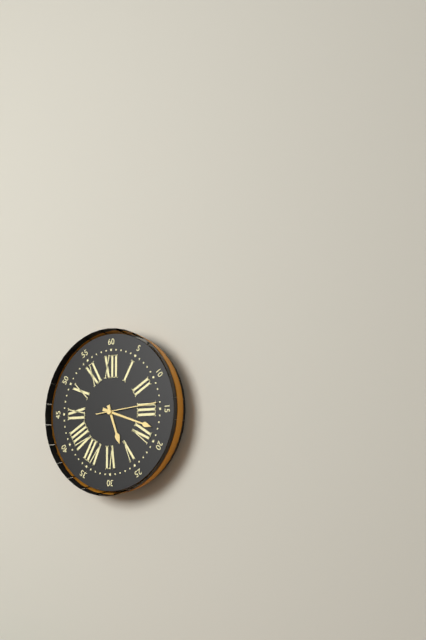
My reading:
{"hour": 5, "minute": 18, "second": 14}
